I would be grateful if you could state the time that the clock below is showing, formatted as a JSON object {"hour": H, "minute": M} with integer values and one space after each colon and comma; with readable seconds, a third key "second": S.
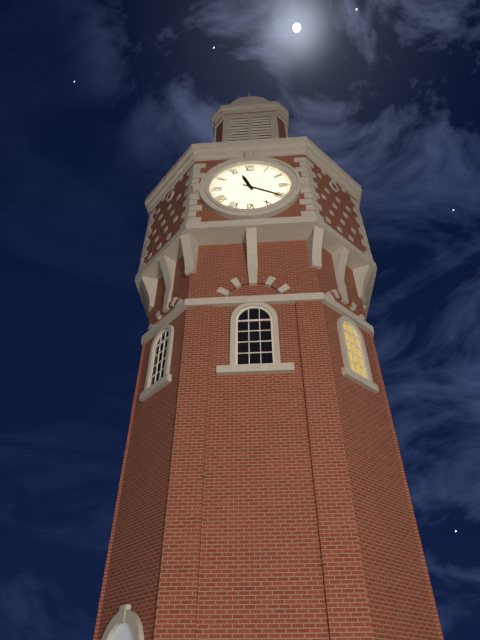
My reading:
{"hour": 11, "minute": 20}
